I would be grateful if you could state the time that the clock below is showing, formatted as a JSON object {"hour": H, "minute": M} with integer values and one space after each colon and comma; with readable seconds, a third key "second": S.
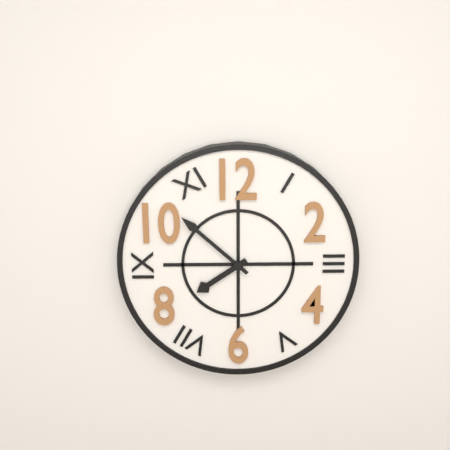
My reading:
{"hour": 7, "minute": 52}
